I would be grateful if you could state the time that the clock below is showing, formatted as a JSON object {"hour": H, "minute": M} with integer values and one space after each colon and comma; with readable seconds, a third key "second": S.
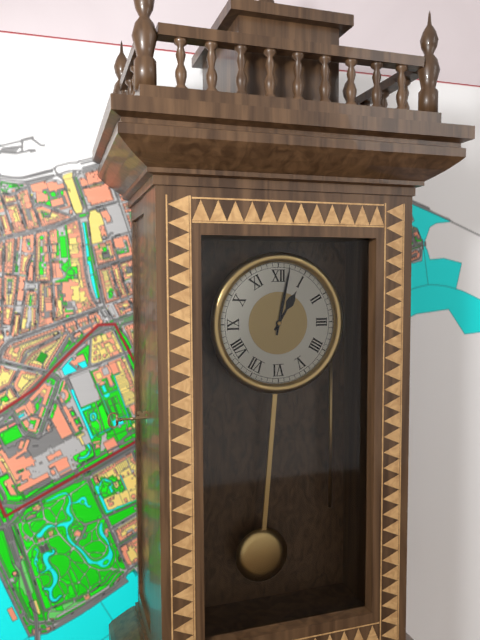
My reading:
{"hour": 1, "minute": 2}
